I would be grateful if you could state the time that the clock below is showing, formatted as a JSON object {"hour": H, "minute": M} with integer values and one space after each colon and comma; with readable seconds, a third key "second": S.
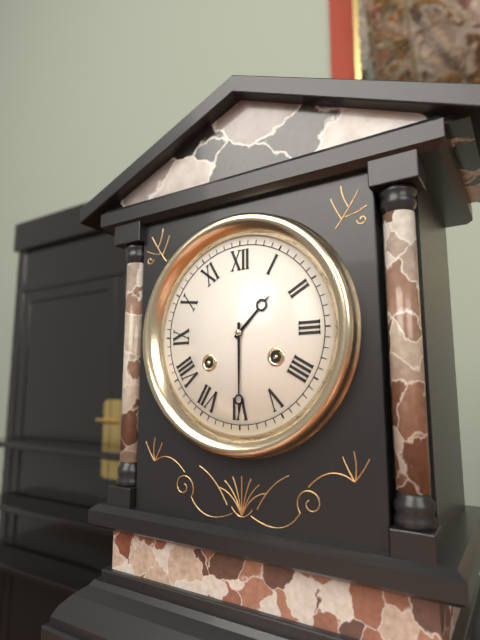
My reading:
{"hour": 1, "minute": 30}
